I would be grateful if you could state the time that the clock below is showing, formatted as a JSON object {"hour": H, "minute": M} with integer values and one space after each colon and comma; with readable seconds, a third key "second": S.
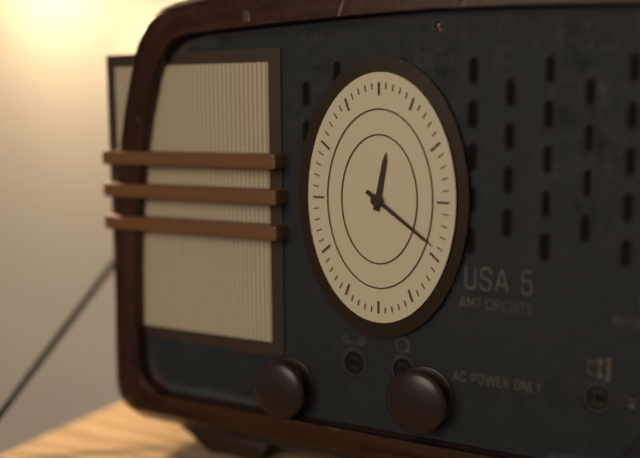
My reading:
{"hour": 12, "minute": 21}
